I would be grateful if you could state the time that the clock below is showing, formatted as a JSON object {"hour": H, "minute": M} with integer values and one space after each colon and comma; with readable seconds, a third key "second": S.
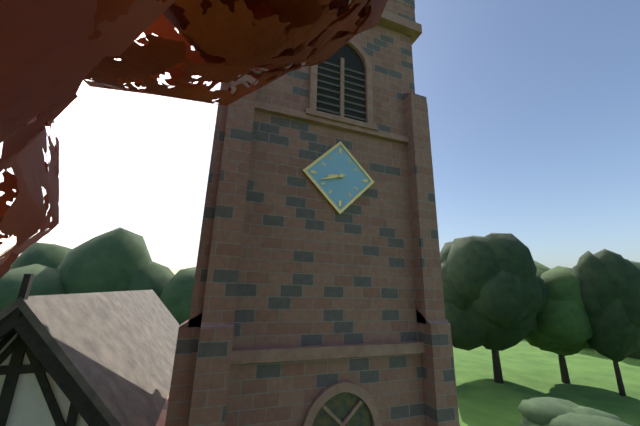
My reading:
{"hour": 8, "minute": 42}
